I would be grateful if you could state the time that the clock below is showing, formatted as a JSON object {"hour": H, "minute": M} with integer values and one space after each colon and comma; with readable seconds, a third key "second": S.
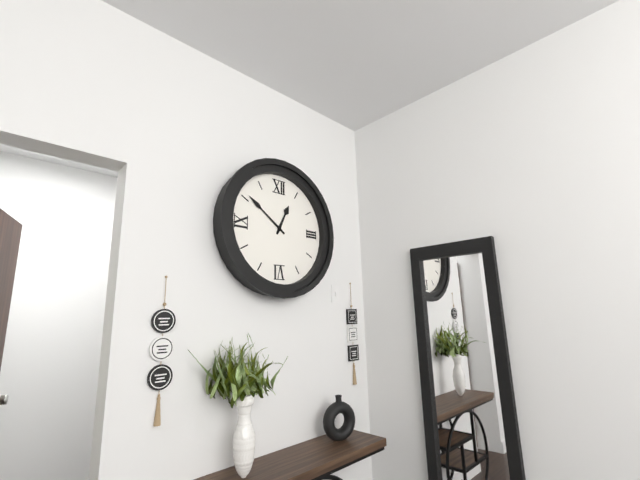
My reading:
{"hour": 12, "minute": 51}
